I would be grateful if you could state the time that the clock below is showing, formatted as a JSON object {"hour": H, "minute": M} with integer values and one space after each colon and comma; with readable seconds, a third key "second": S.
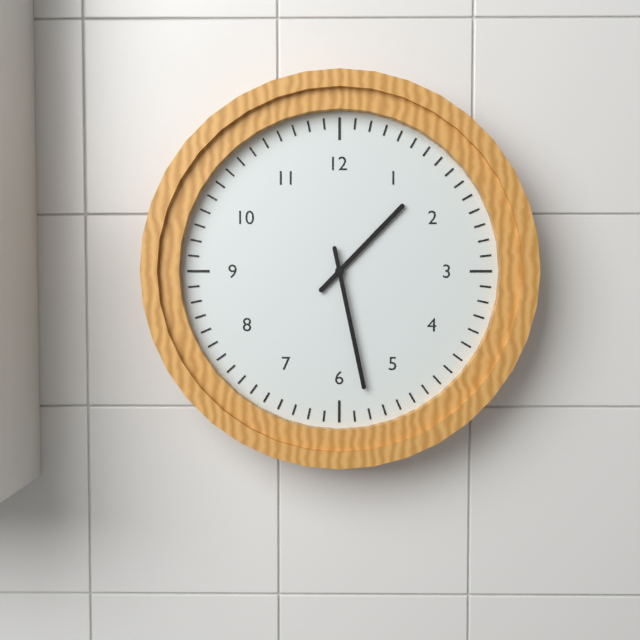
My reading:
{"hour": 1, "minute": 28}
